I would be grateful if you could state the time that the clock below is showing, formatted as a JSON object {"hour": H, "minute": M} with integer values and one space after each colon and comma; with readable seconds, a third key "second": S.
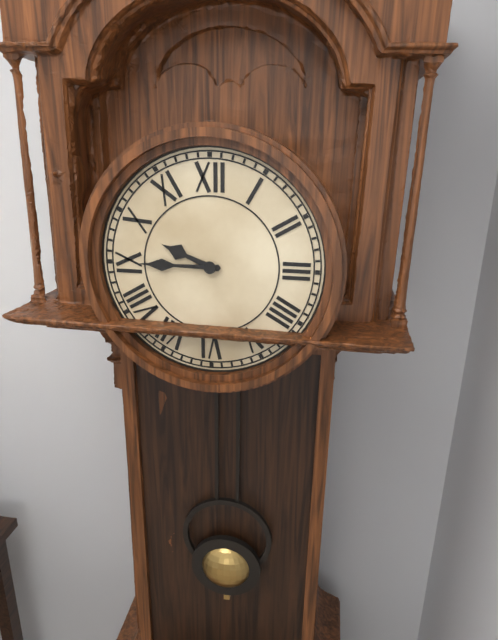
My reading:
{"hour": 9, "minute": 45}
